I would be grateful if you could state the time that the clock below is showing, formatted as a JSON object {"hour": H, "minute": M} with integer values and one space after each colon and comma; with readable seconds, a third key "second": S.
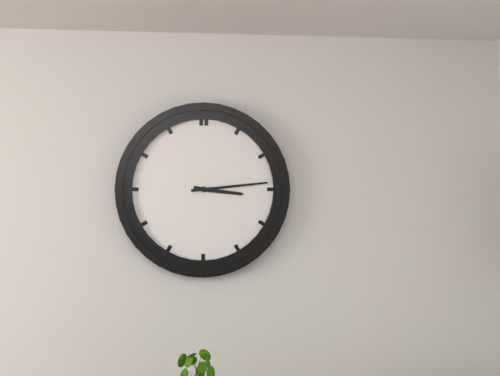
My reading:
{"hour": 3, "minute": 14}
